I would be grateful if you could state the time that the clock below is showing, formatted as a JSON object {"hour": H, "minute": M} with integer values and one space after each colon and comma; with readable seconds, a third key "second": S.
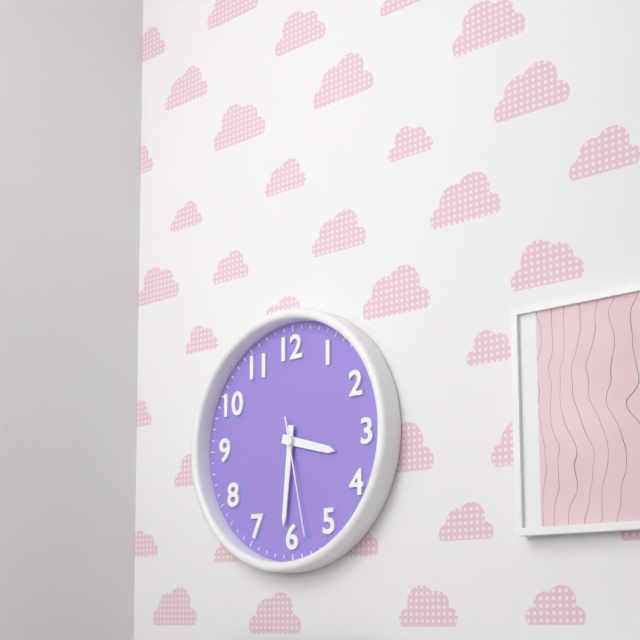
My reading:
{"hour": 3, "minute": 31, "second": 28}
